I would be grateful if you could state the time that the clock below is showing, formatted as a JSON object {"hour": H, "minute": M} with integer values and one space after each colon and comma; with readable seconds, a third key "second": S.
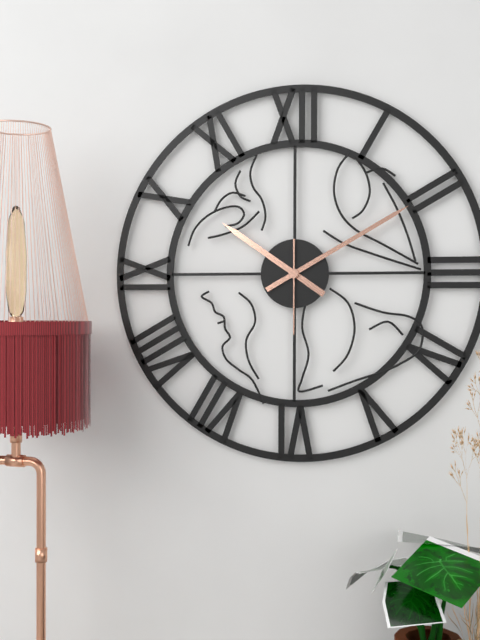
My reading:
{"hour": 10, "minute": 10, "second": 30}
